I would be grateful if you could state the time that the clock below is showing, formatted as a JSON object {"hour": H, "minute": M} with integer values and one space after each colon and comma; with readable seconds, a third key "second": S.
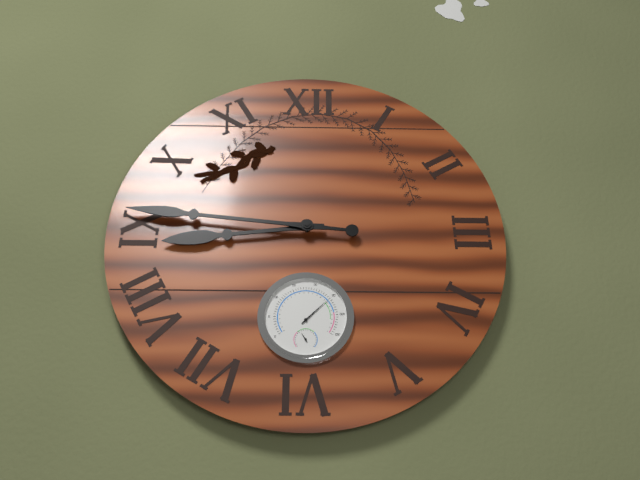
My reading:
{"hour": 8, "minute": 46}
